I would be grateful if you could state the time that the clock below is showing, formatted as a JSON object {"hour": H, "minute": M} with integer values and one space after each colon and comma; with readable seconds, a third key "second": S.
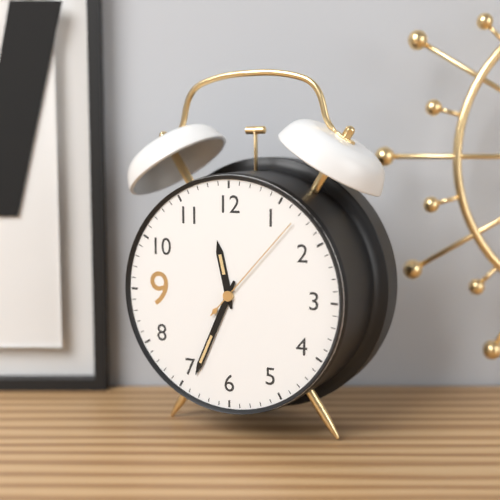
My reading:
{"hour": 11, "minute": 34, "second": 7}
